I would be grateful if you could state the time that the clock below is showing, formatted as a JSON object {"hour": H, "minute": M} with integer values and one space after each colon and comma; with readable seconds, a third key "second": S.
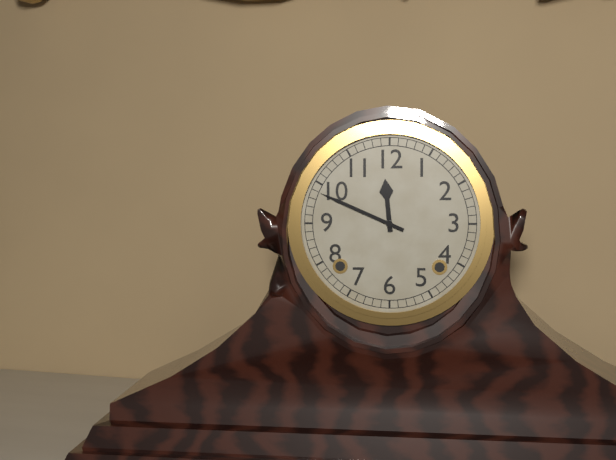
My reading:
{"hour": 11, "minute": 49}
